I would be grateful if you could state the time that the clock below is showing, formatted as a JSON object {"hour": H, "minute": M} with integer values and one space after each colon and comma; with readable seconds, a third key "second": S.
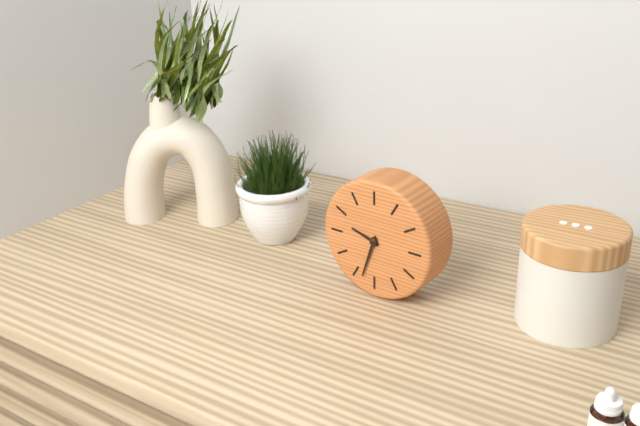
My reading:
{"hour": 9, "minute": 33}
